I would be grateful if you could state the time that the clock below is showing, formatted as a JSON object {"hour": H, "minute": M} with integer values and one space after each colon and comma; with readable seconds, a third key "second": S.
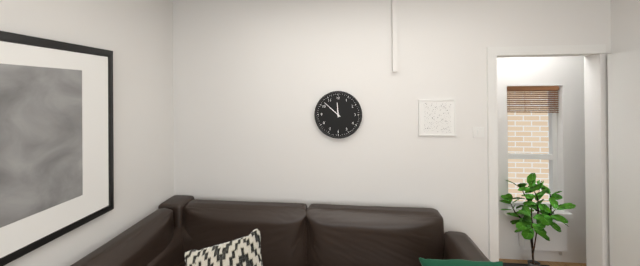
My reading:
{"hour": 11, "minute": 52}
